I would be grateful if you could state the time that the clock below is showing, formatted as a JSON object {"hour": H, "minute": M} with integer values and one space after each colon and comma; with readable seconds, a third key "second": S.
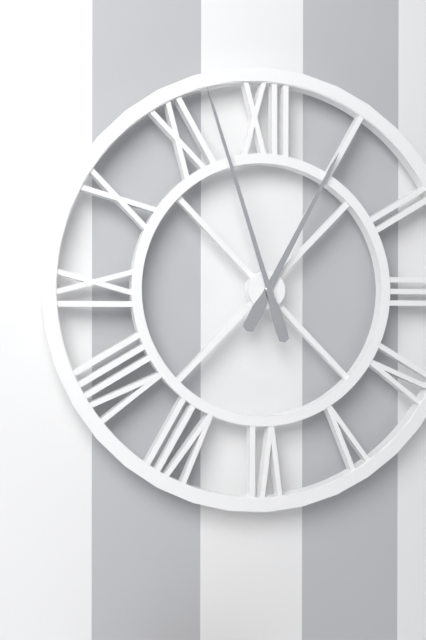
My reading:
{"hour": 12, "minute": 57}
